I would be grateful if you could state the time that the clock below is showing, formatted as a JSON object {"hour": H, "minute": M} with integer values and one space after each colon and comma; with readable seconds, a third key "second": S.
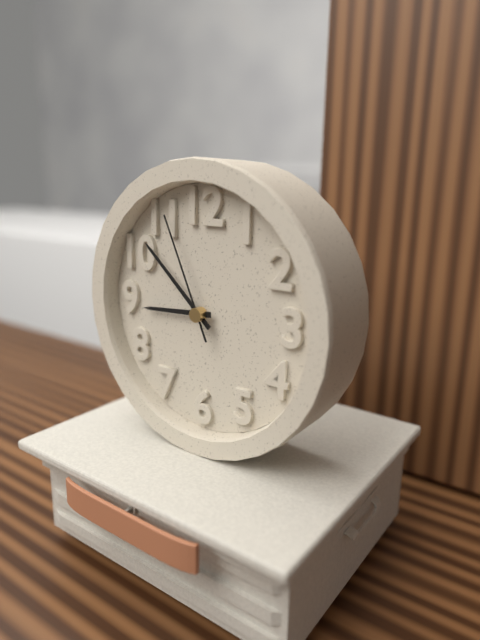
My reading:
{"hour": 8, "minute": 52, "second": 56}
